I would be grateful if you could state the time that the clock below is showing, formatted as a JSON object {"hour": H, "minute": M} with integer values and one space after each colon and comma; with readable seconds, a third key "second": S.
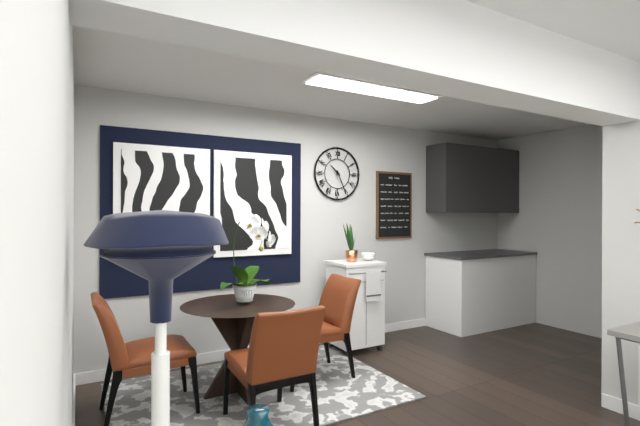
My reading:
{"hour": 10, "minute": 26}
